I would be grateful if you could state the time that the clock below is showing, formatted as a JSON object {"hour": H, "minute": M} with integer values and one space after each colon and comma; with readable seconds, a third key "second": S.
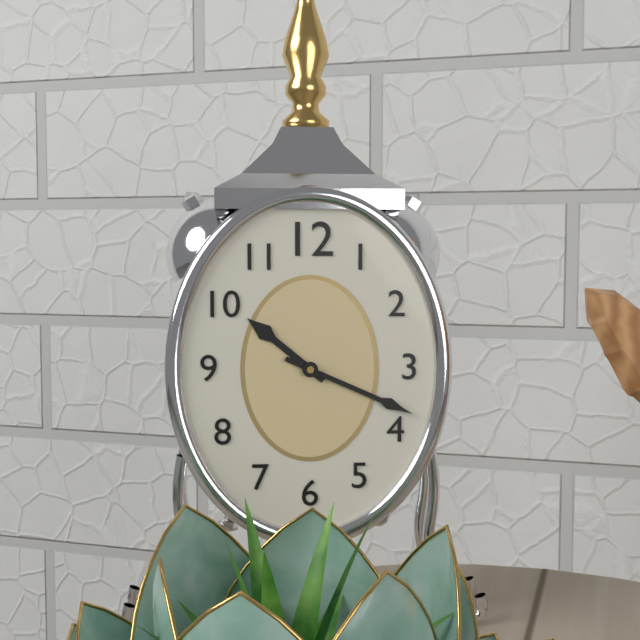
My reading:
{"hour": 10, "minute": 19}
